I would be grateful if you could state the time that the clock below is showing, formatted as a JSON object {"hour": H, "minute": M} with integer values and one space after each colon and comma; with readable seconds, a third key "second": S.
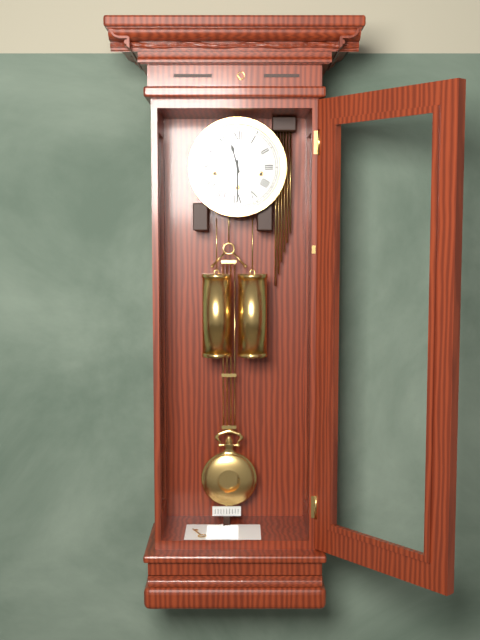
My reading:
{"hour": 11, "minute": 30}
